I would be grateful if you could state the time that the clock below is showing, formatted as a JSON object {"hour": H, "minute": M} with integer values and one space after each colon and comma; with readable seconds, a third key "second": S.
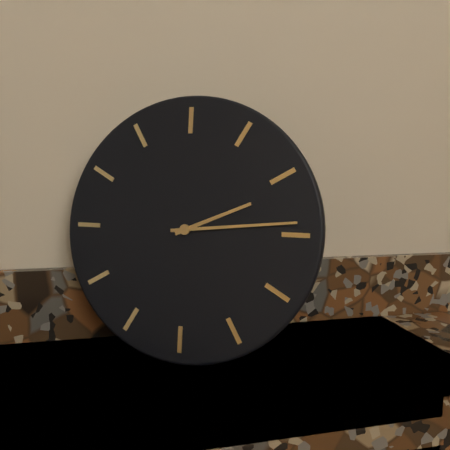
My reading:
{"hour": 2, "minute": 14}
